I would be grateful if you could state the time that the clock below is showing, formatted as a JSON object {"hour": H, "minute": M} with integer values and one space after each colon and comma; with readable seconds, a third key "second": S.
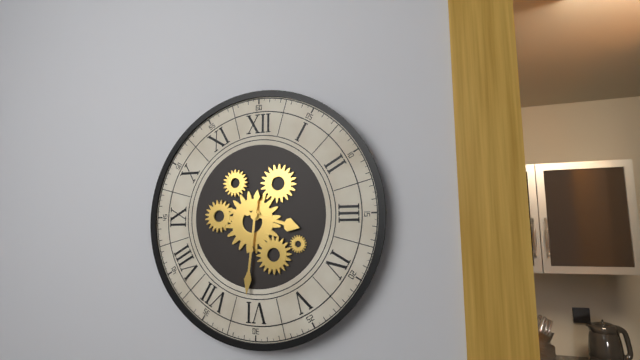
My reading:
{"hour": 3, "minute": 31}
